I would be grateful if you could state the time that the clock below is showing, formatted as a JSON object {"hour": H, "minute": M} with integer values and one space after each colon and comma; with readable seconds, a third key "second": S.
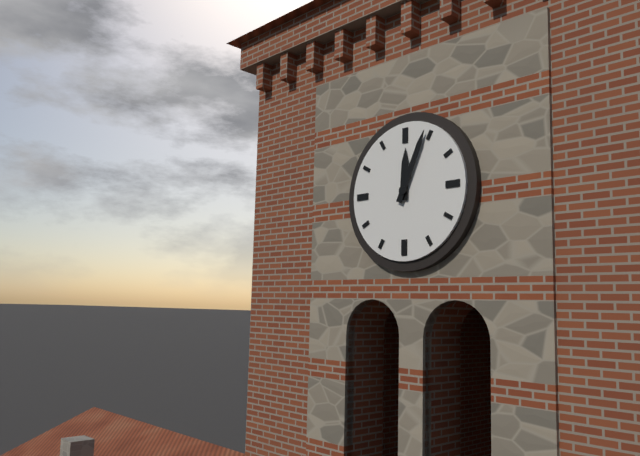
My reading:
{"hour": 12, "minute": 4}
